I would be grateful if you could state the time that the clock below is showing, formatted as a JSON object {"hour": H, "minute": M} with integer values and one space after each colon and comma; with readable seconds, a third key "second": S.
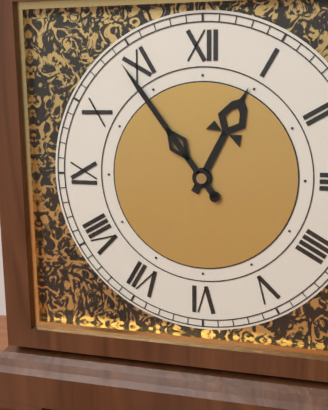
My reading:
{"hour": 12, "minute": 54}
